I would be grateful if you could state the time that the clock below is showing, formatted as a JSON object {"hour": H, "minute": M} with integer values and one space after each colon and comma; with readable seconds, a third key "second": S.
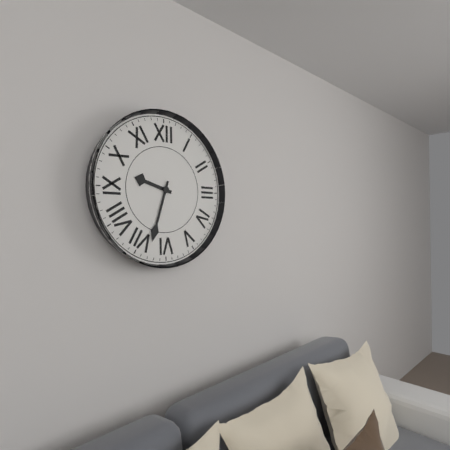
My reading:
{"hour": 9, "minute": 33}
